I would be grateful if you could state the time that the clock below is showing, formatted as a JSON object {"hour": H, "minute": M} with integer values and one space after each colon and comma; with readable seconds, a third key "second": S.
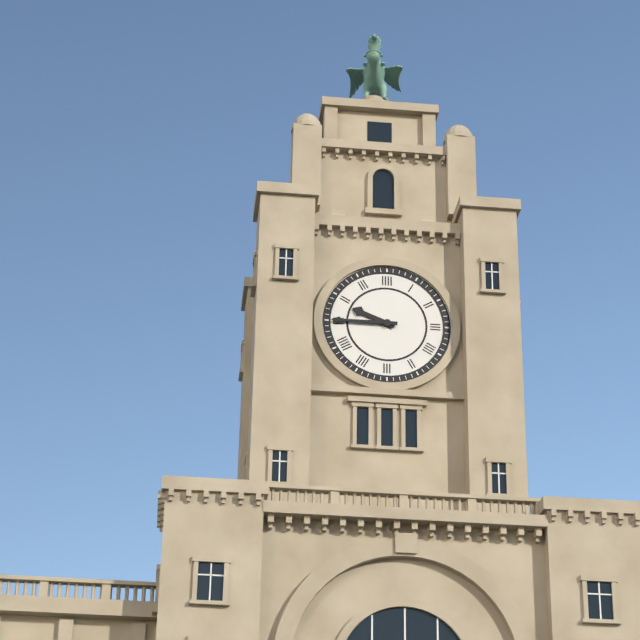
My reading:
{"hour": 9, "minute": 45}
